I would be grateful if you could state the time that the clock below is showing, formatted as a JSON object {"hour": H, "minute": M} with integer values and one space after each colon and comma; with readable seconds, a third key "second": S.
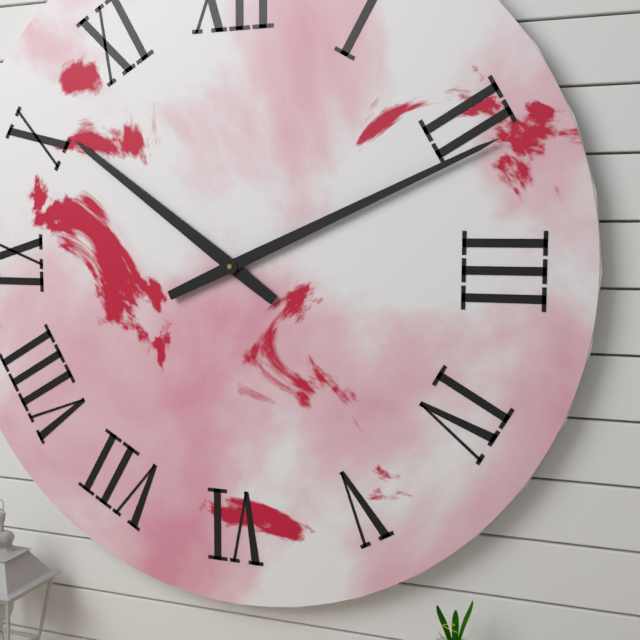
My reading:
{"hour": 10, "minute": 11}
